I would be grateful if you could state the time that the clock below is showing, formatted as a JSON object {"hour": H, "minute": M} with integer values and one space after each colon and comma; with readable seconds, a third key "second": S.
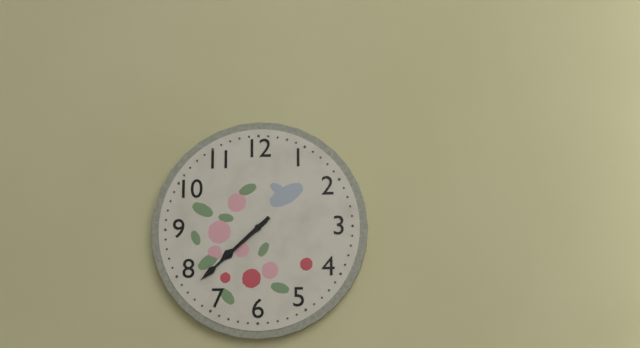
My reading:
{"hour": 7, "minute": 38}
